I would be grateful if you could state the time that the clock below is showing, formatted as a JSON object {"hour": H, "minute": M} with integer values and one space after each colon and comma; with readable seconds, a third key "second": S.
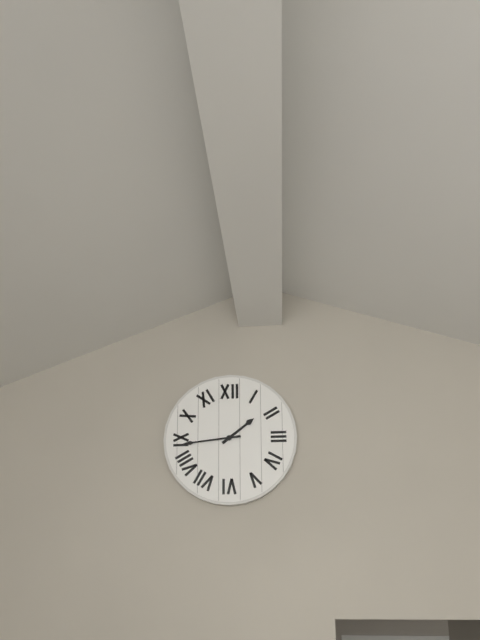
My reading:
{"hour": 1, "minute": 44}
